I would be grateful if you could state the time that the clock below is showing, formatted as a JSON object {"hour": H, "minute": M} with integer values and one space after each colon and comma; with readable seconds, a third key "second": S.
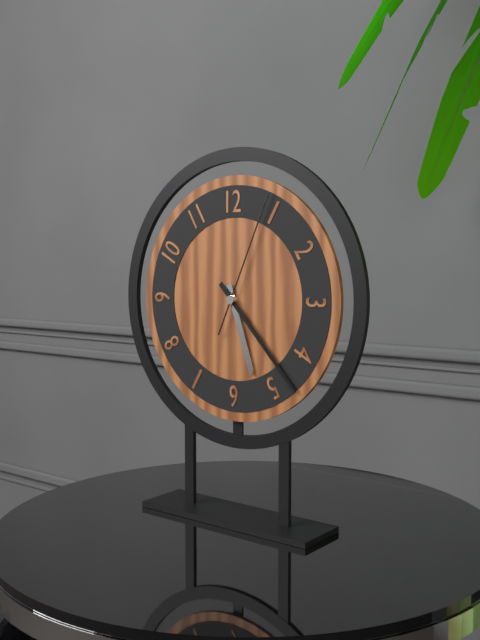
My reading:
{"hour": 5, "minute": 23, "second": 4}
